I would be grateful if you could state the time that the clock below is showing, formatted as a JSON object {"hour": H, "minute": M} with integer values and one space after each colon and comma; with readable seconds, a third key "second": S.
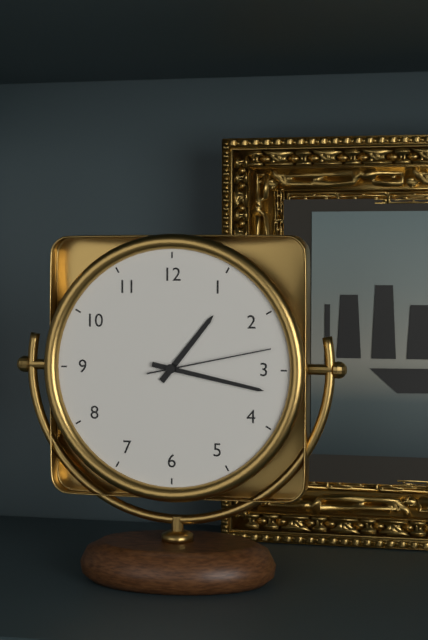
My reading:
{"hour": 1, "minute": 17, "second": 13}
